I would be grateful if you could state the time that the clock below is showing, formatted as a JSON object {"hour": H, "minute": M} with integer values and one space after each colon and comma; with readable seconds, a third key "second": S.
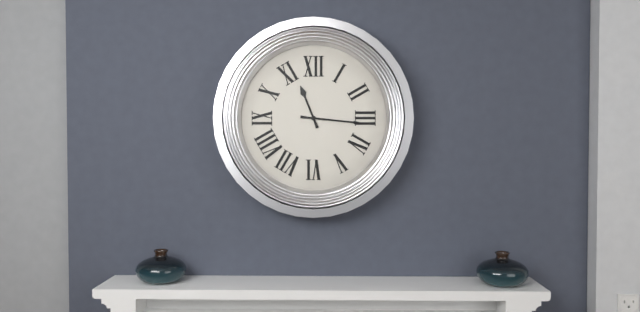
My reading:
{"hour": 11, "minute": 16}
